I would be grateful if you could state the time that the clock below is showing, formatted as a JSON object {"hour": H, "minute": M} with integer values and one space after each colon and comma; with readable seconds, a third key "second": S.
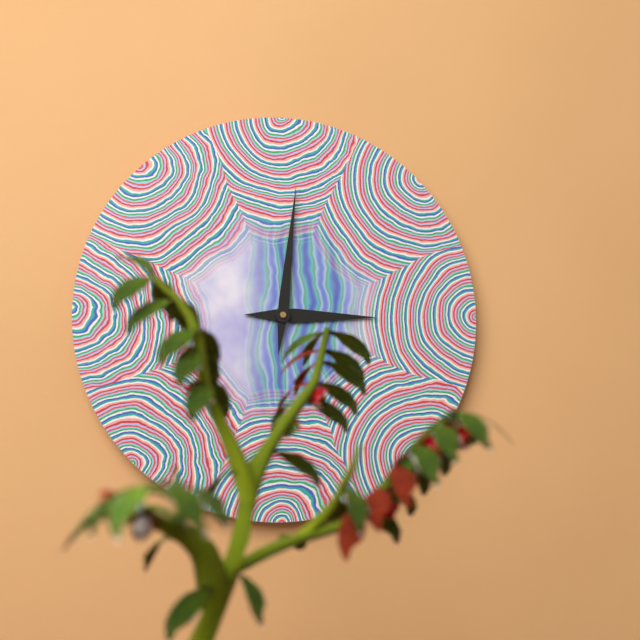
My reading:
{"hour": 3, "minute": 1}
